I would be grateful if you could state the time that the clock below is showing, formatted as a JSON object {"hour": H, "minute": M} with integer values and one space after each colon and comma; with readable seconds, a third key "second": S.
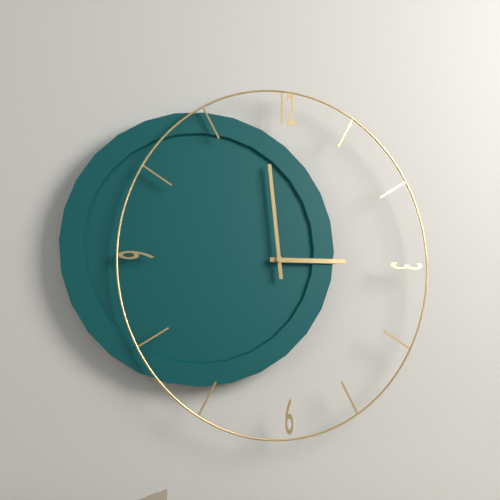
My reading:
{"hour": 2, "minute": 59}
